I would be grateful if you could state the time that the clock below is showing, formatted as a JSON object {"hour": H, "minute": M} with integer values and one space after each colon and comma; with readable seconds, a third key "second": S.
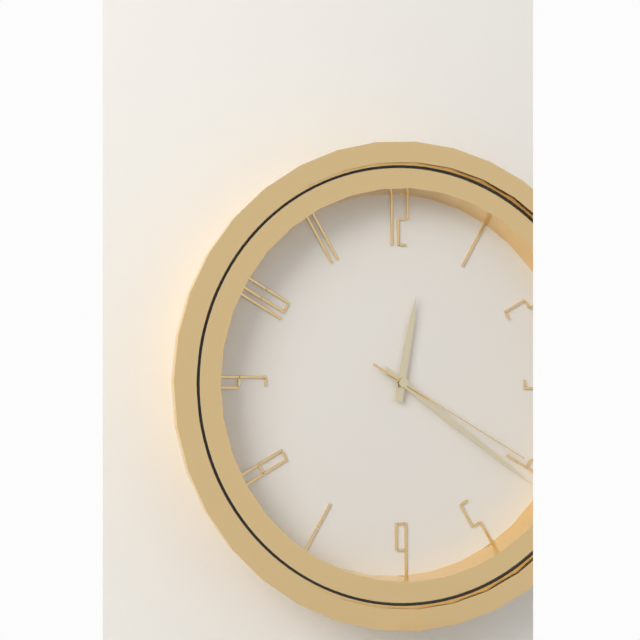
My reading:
{"hour": 12, "minute": 21, "second": 20}
